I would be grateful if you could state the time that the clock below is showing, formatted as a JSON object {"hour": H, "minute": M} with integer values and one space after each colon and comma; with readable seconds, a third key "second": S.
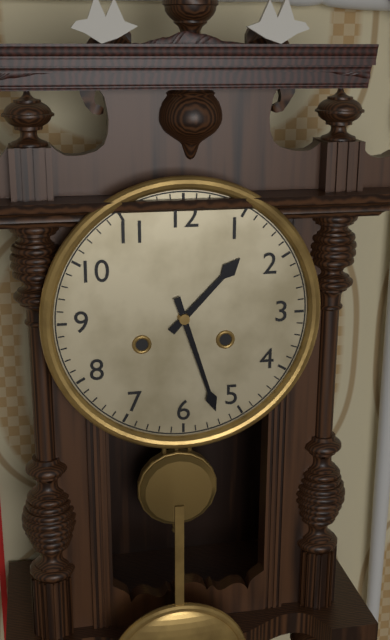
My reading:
{"hour": 1, "minute": 27}
